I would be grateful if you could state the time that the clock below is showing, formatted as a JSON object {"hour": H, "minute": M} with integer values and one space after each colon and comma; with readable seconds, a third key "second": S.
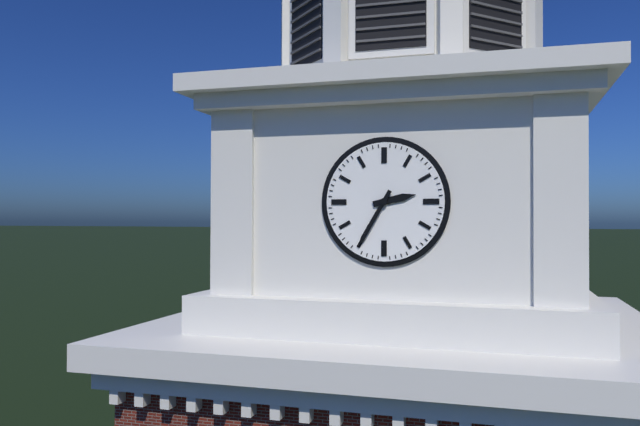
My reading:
{"hour": 2, "minute": 35}
